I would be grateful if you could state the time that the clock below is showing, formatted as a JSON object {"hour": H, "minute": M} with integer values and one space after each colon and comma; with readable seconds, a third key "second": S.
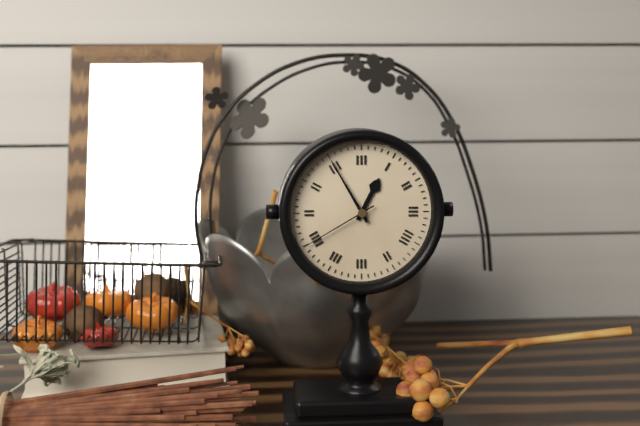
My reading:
{"hour": 12, "minute": 55, "second": 40}
